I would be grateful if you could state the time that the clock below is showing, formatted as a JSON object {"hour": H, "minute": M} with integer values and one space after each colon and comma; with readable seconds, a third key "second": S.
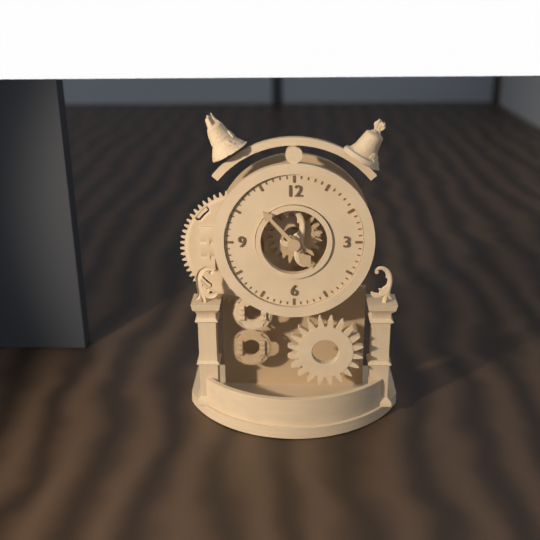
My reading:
{"hour": 4, "minute": 53}
